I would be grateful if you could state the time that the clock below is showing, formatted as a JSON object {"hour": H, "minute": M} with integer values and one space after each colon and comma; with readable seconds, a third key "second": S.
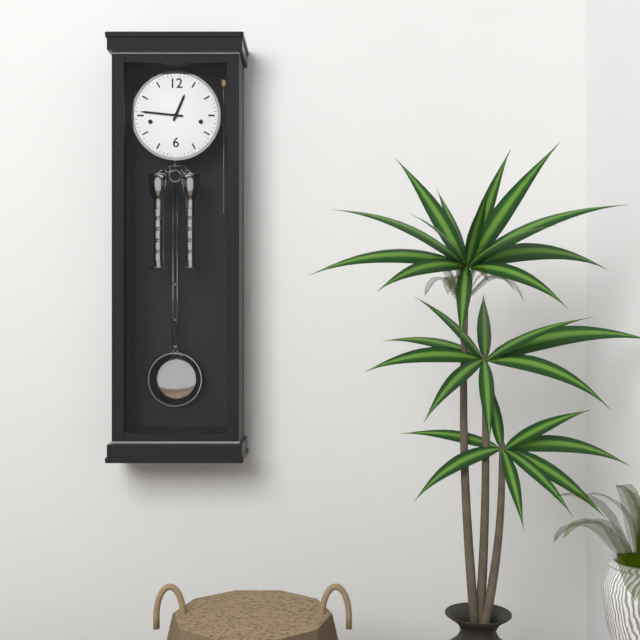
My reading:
{"hour": 12, "minute": 46}
